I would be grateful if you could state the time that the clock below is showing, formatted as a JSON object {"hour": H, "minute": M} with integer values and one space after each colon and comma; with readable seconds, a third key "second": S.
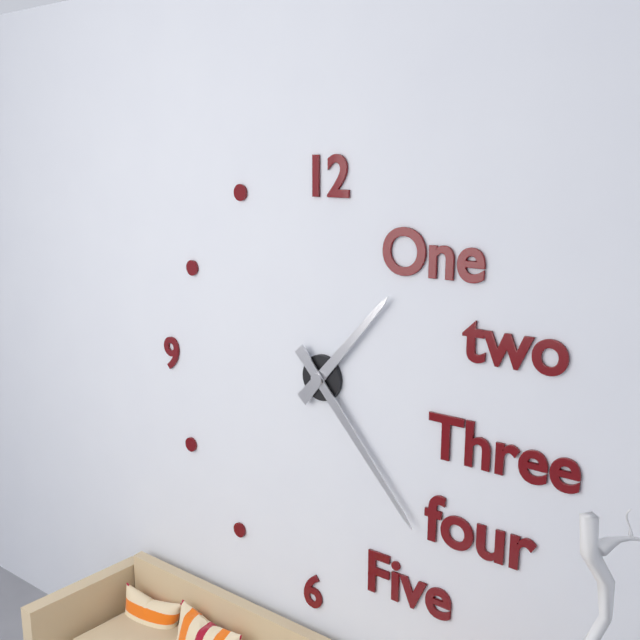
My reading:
{"hour": 1, "minute": 23}
